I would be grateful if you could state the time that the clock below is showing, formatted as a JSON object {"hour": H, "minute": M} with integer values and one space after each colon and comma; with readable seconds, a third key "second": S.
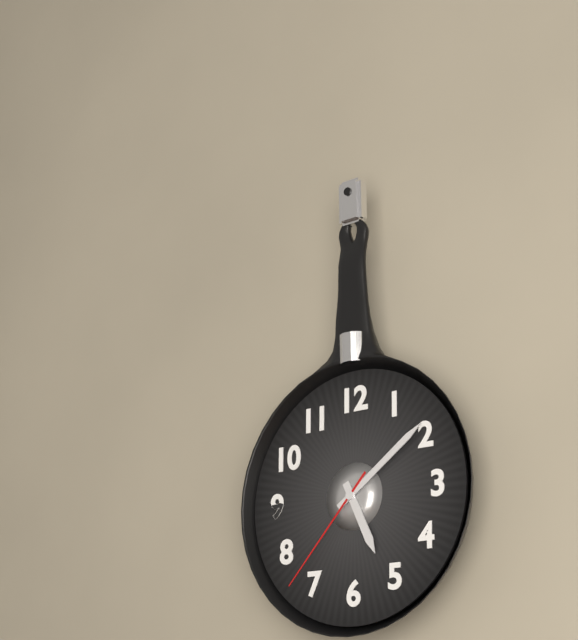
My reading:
{"hour": 5, "minute": 9, "second": 37}
